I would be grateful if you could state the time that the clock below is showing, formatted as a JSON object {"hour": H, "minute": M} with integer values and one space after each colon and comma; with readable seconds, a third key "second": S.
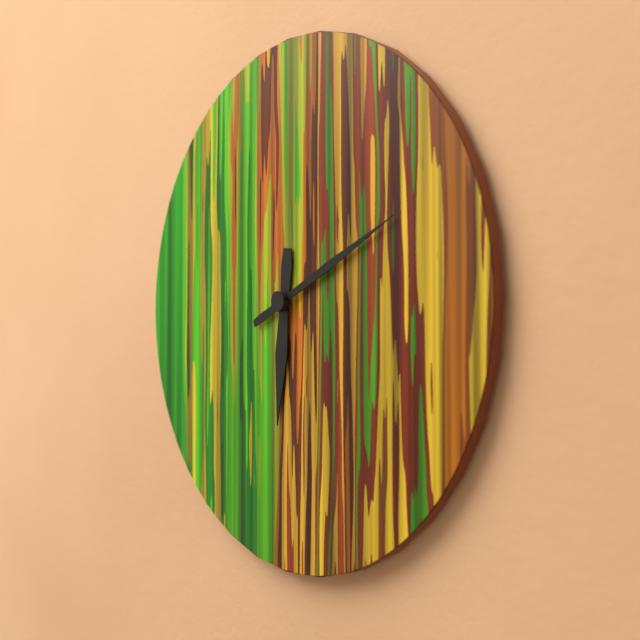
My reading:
{"hour": 6, "minute": 11}
